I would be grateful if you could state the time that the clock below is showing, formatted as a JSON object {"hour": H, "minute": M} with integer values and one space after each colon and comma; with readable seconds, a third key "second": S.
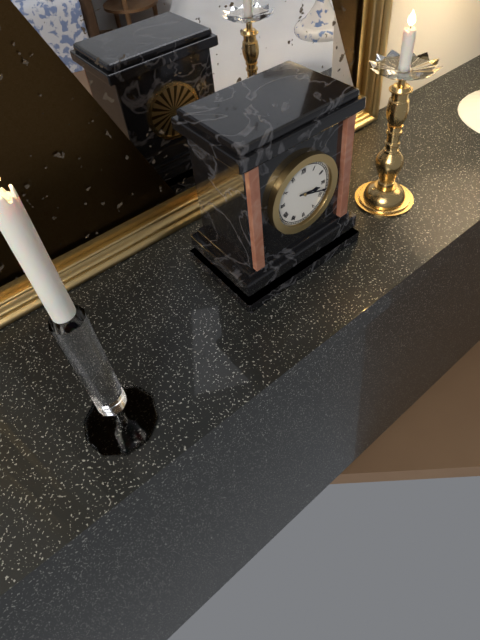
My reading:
{"hour": 3, "minute": 18}
